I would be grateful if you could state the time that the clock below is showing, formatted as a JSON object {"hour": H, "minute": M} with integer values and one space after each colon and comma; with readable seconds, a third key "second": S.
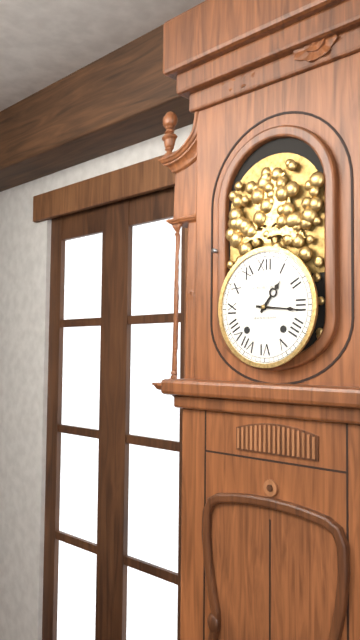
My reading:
{"hour": 1, "minute": 16}
